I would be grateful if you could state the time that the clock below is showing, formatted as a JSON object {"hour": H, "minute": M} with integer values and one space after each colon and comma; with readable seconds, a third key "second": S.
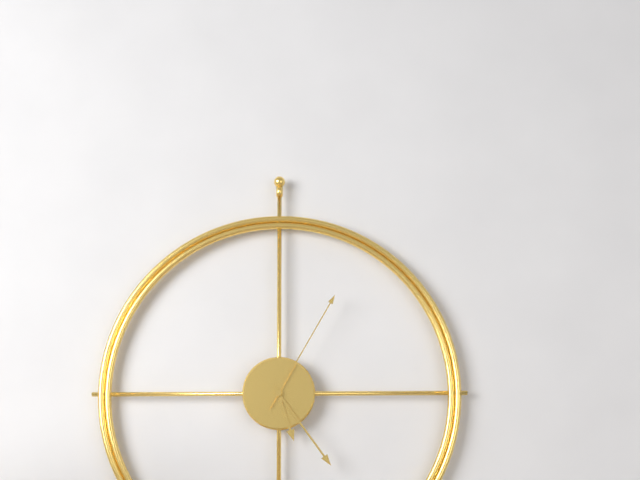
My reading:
{"hour": 5, "minute": 24, "second": 5}
